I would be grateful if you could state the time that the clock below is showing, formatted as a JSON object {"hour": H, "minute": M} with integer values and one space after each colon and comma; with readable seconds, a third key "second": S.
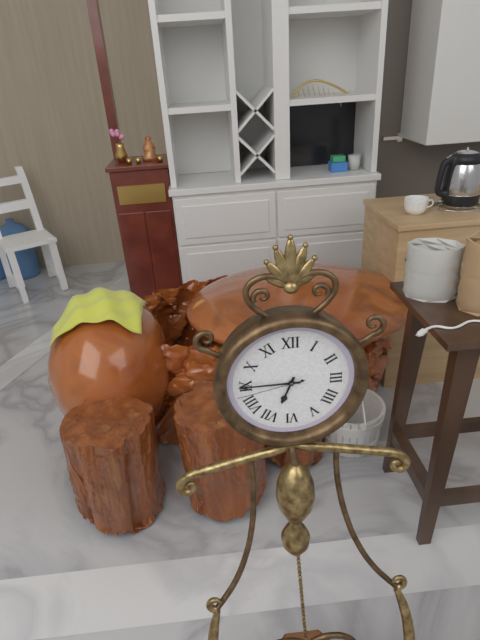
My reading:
{"hour": 6, "minute": 45, "second": 43}
